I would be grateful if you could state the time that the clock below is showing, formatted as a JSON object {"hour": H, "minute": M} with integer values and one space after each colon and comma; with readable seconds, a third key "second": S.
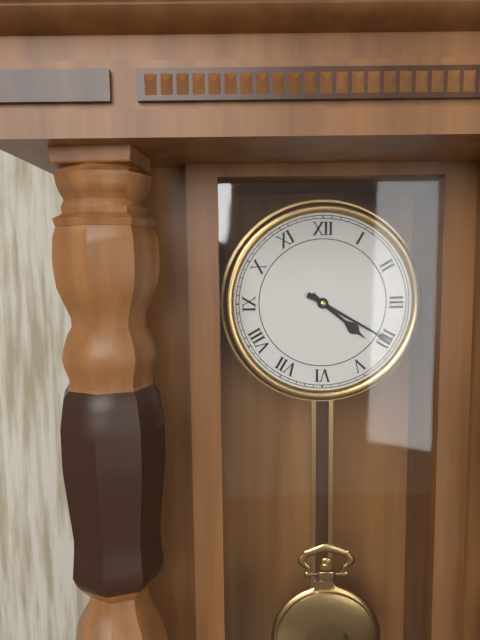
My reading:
{"hour": 4, "minute": 20}
